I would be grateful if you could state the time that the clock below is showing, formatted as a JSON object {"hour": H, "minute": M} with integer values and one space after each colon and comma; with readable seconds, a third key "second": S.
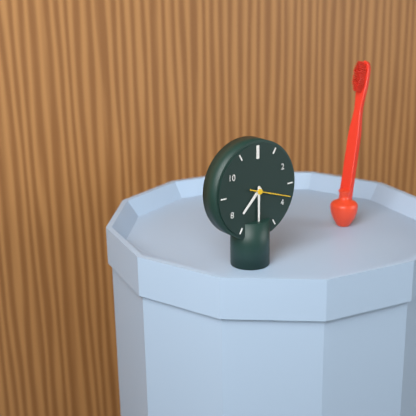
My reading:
{"hour": 7, "minute": 30}
